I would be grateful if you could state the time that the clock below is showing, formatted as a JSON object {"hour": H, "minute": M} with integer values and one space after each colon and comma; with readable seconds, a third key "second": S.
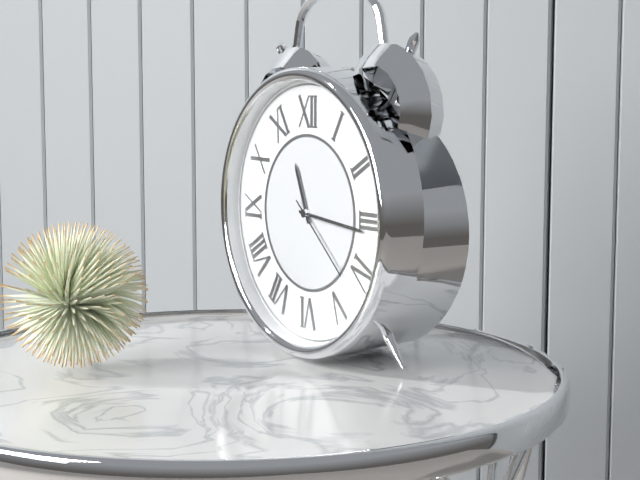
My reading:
{"hour": 11, "minute": 16, "second": 22}
